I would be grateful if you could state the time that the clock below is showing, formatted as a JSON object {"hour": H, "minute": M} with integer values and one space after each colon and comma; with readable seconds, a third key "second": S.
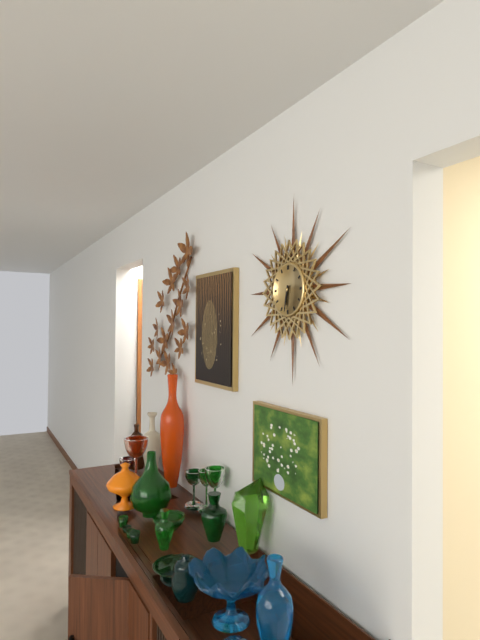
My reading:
{"hour": 6, "minute": 32}
